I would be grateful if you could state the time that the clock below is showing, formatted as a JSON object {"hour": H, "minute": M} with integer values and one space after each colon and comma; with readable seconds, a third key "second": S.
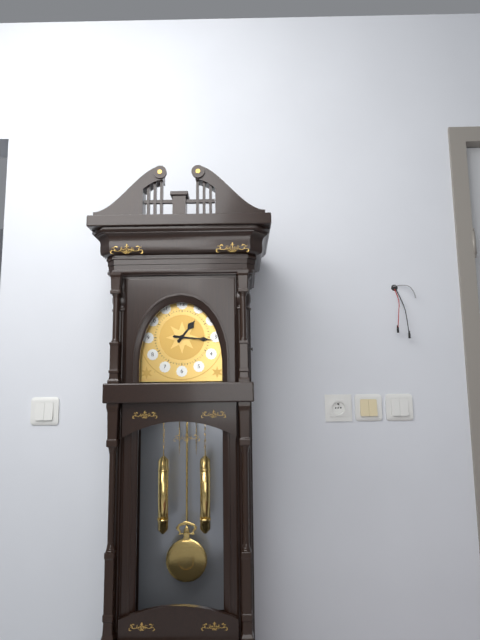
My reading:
{"hour": 1, "minute": 16}
